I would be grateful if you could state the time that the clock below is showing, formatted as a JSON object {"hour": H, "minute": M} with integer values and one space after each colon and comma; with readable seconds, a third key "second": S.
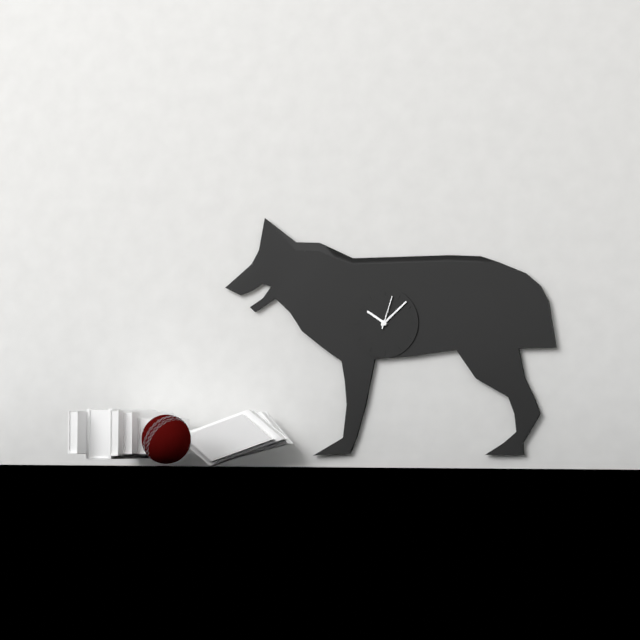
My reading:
{"hour": 10, "minute": 8}
